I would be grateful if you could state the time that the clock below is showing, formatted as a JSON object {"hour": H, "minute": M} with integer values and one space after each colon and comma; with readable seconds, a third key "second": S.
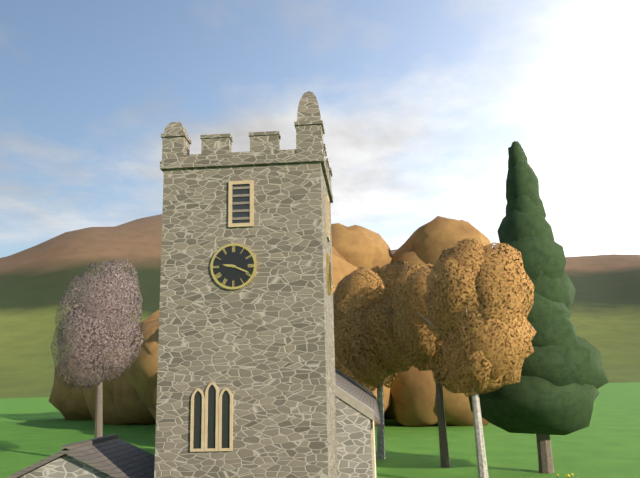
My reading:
{"hour": 9, "minute": 19}
